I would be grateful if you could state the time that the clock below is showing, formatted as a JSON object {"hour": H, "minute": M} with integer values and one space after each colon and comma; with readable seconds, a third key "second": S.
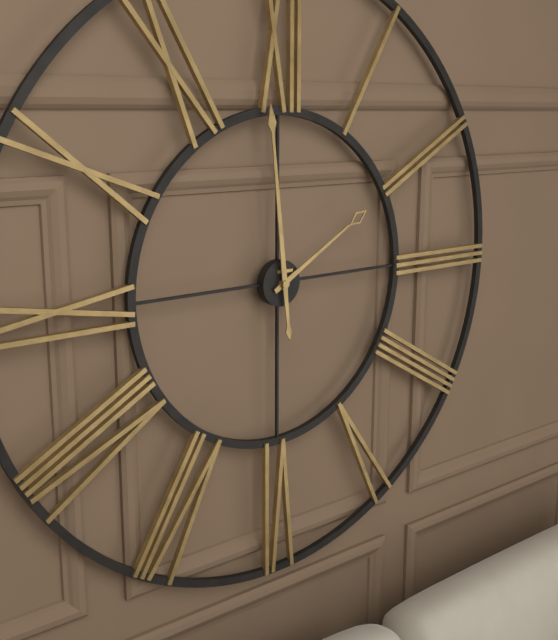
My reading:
{"hour": 1, "minute": 59}
